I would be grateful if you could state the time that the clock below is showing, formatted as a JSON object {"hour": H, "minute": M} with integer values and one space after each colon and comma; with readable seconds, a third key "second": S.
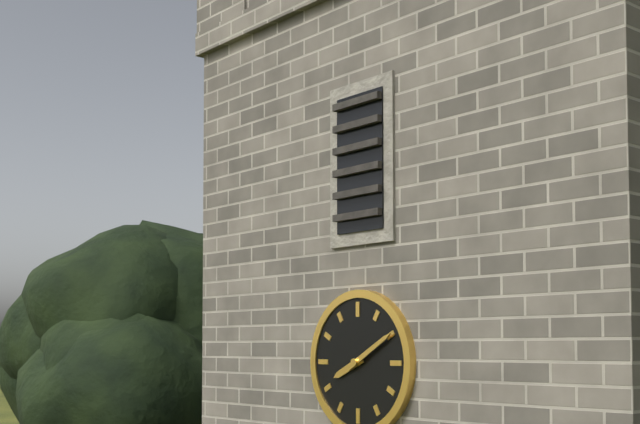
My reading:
{"hour": 8, "minute": 10}
